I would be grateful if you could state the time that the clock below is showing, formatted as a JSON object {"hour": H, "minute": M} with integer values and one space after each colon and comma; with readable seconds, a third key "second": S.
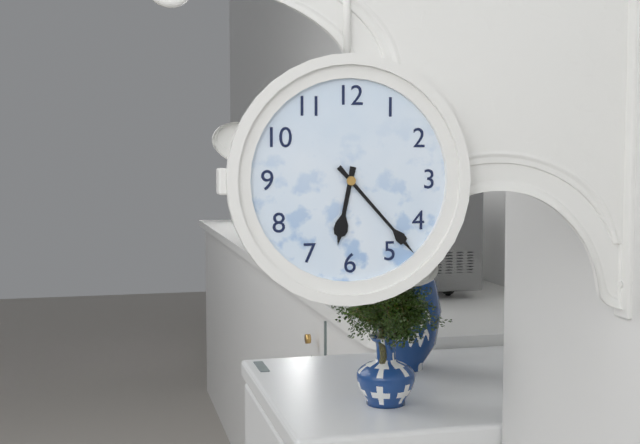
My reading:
{"hour": 6, "minute": 23}
